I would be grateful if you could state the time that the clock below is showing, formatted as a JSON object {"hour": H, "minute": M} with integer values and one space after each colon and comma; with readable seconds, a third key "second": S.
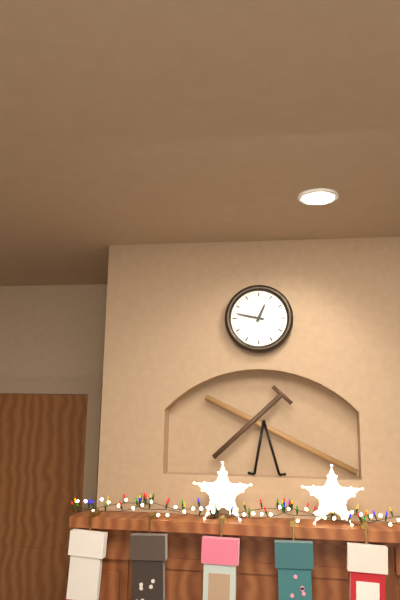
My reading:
{"hour": 12, "minute": 47}
